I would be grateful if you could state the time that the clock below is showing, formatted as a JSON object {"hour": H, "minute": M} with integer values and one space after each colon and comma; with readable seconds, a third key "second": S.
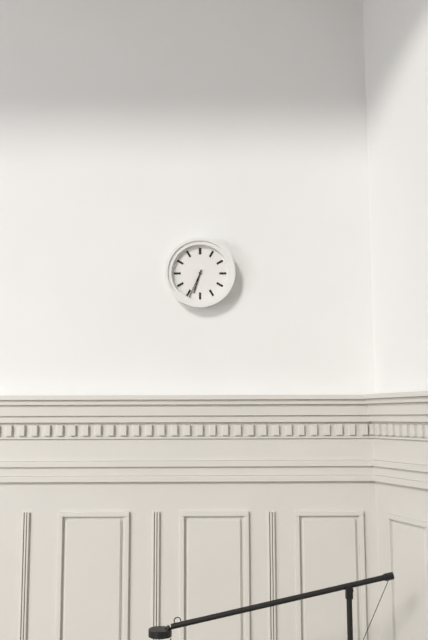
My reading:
{"hour": 6, "minute": 34}
